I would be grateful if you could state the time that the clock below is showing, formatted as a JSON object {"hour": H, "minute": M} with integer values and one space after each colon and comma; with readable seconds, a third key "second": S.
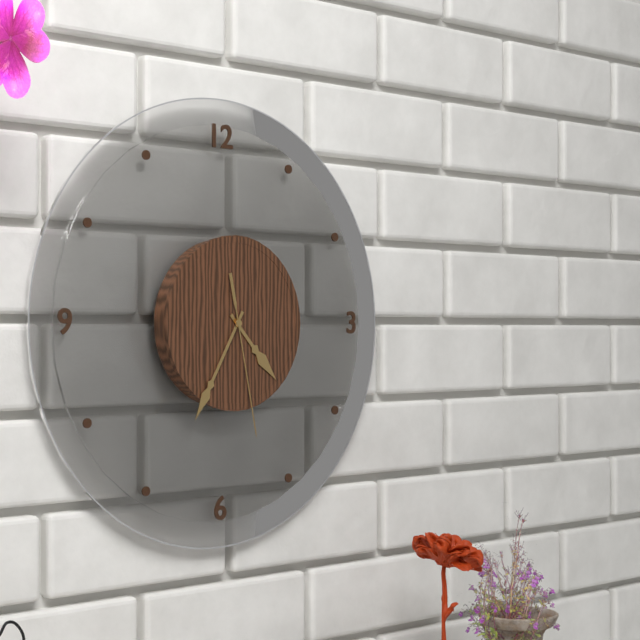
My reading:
{"hour": 4, "minute": 35, "second": 28}
